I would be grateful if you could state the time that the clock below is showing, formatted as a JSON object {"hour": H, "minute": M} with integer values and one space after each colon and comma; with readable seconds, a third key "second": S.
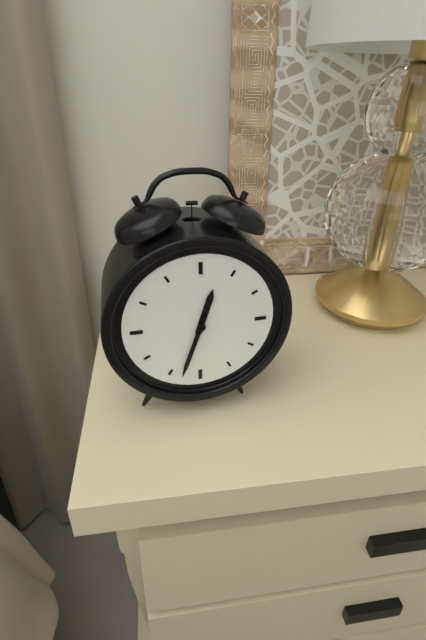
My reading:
{"hour": 12, "minute": 33}
